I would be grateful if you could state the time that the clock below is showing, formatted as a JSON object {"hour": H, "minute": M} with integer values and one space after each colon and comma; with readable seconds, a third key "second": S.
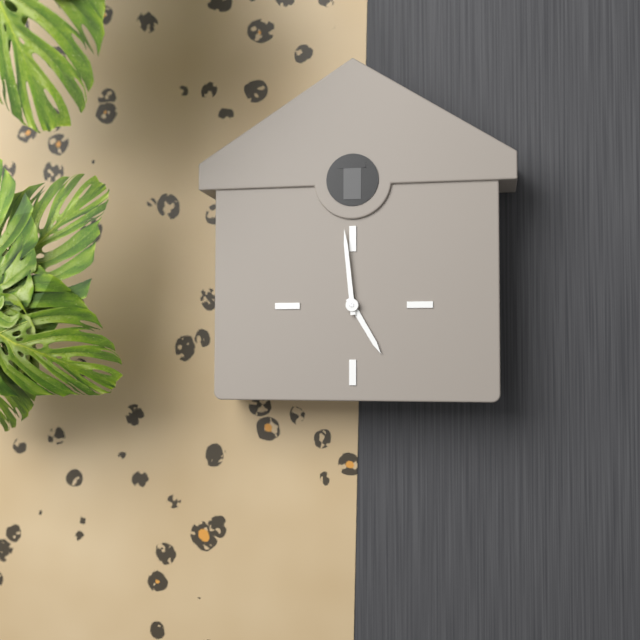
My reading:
{"hour": 4, "minute": 59}
